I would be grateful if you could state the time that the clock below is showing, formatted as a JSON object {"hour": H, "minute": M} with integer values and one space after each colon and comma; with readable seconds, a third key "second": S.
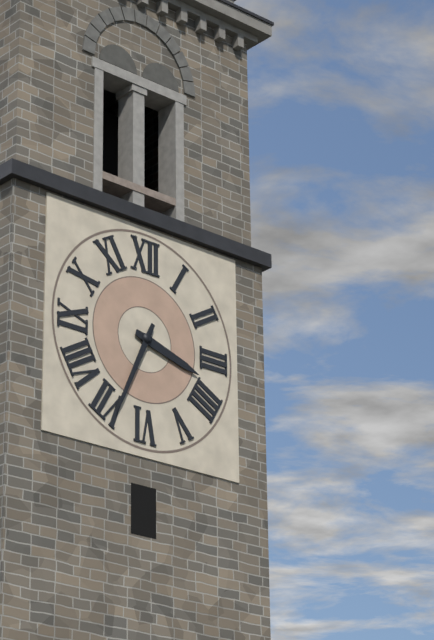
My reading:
{"hour": 3, "minute": 34}
